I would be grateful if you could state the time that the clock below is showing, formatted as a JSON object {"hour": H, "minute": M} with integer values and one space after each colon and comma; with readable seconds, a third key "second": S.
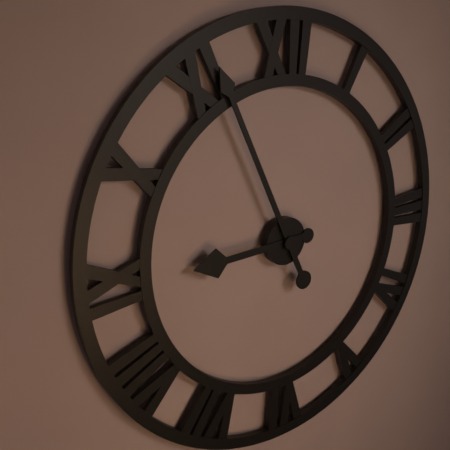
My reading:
{"hour": 8, "minute": 56}
